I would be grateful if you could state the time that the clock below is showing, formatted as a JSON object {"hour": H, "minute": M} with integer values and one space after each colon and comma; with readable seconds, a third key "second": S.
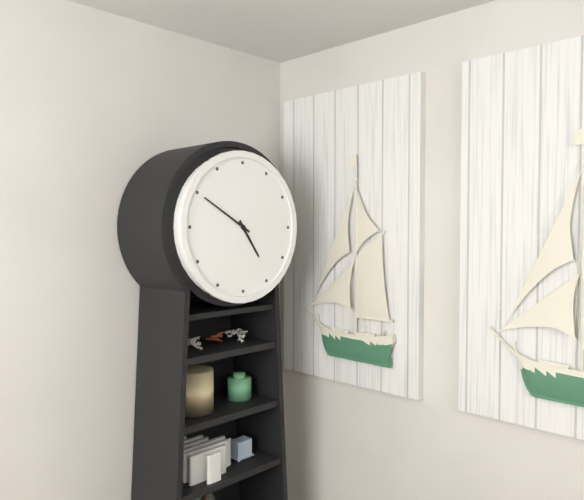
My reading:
{"hour": 4, "minute": 50}
